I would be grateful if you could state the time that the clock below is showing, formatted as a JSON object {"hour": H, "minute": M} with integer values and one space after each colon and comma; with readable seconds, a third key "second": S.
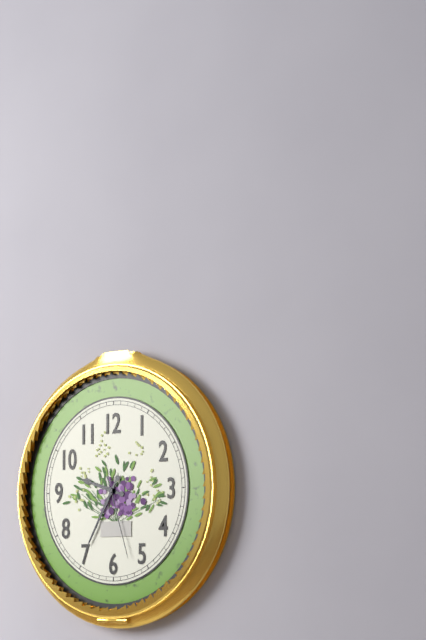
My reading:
{"hour": 9, "minute": 35, "second": 27}
